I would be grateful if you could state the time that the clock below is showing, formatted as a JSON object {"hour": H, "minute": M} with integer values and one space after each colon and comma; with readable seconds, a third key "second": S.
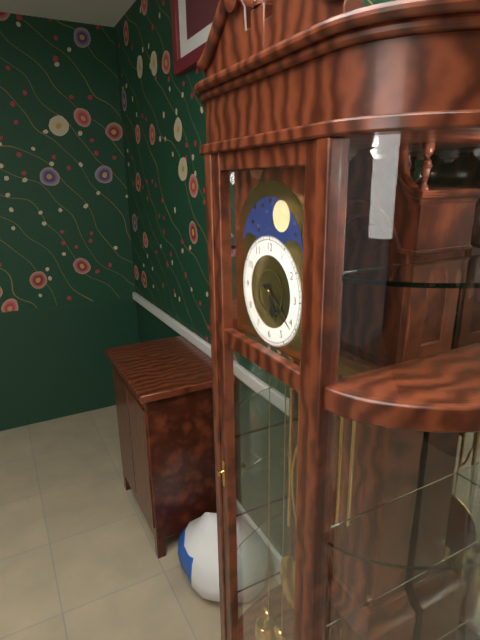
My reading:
{"hour": 5, "minute": 21}
